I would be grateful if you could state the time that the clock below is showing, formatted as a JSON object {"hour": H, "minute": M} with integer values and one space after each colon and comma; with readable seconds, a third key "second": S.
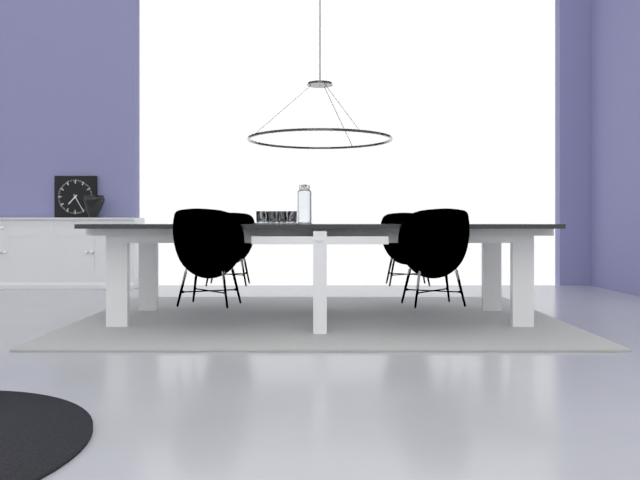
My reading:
{"hour": 7, "minute": 25}
